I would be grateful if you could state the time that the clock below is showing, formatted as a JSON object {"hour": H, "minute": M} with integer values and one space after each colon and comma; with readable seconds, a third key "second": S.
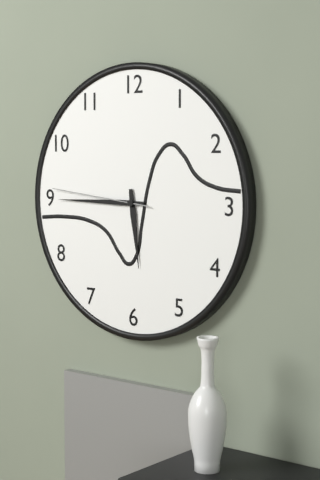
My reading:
{"hour": 5, "minute": 45, "second": 46}
